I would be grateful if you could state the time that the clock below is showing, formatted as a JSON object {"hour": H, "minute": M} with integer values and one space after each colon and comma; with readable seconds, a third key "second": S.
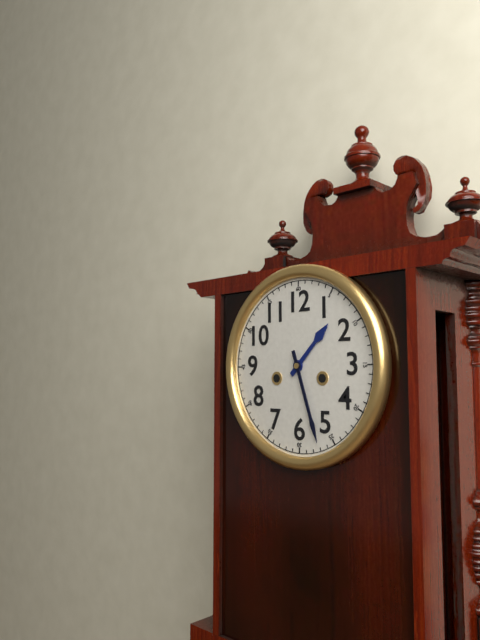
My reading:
{"hour": 1, "minute": 27}
